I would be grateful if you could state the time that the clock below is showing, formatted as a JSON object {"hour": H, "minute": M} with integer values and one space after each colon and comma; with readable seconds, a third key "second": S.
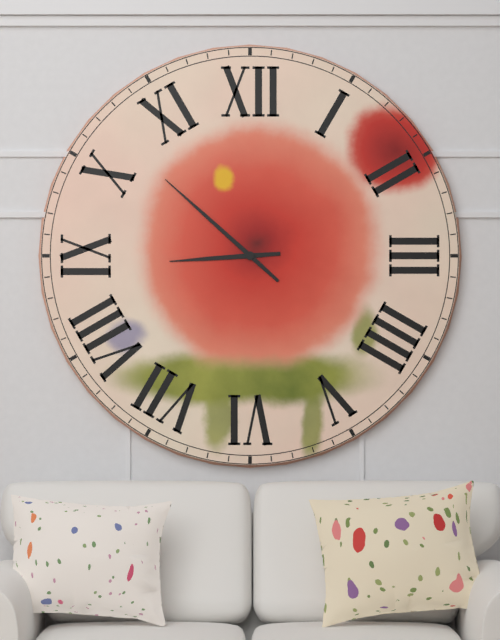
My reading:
{"hour": 8, "minute": 52}
